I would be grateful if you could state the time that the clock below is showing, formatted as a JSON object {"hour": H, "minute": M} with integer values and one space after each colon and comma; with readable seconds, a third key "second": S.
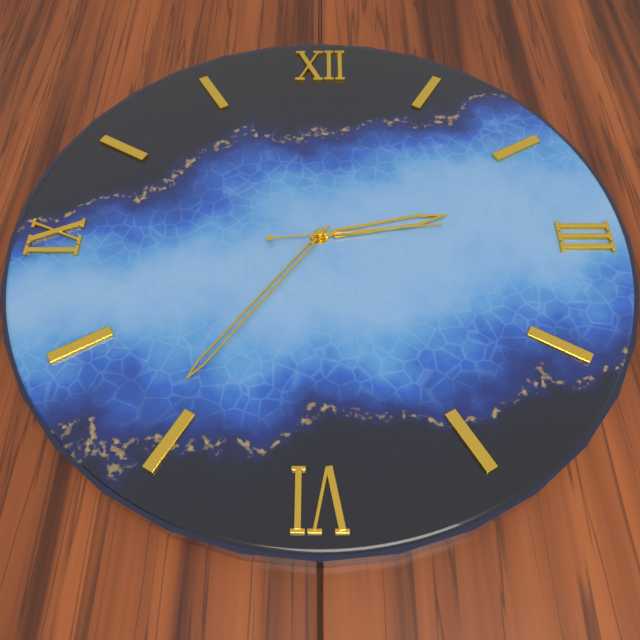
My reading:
{"hour": 2, "minute": 36, "second": 14}
